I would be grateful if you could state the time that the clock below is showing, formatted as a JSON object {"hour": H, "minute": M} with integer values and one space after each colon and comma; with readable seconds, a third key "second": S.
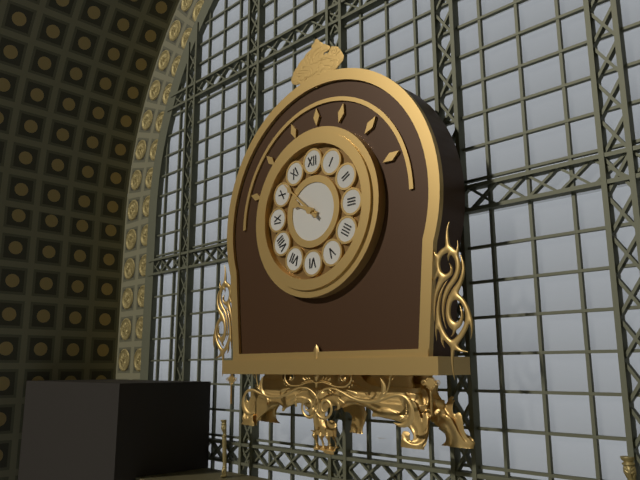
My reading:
{"hour": 9, "minute": 52}
